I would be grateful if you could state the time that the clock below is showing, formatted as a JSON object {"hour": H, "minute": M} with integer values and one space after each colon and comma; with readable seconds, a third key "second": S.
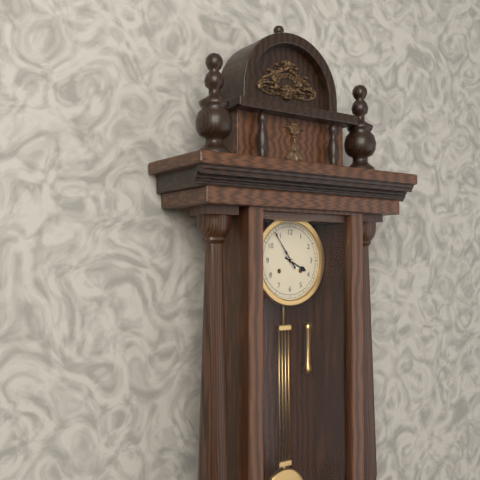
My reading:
{"hour": 3, "minute": 54}
